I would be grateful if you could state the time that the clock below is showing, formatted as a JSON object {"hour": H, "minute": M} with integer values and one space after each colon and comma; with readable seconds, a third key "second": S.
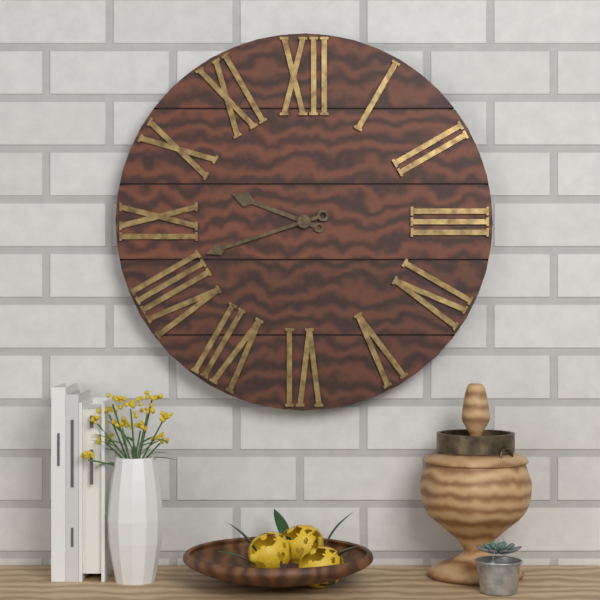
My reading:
{"hour": 9, "minute": 42}
